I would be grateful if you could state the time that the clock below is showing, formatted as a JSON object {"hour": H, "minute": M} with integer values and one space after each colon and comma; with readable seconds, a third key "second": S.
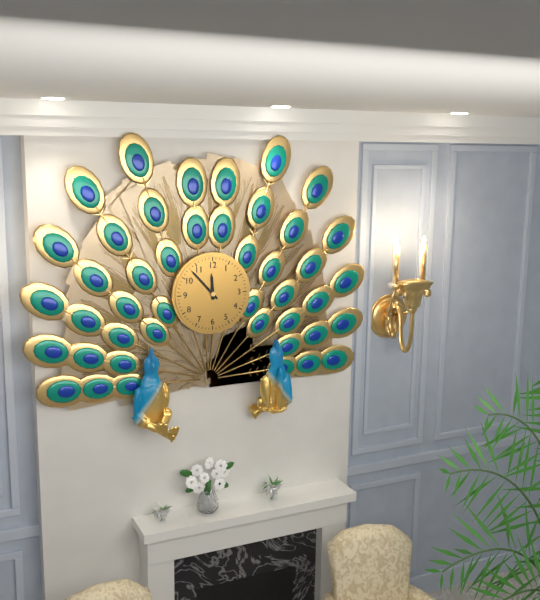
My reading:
{"hour": 11, "minute": 53}
